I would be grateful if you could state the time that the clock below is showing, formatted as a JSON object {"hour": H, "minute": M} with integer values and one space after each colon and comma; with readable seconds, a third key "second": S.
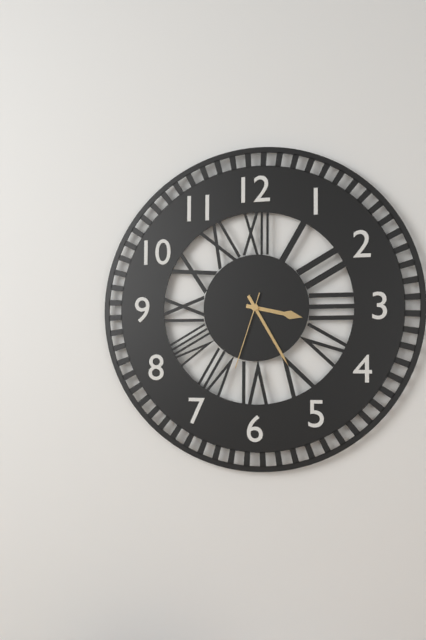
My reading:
{"hour": 3, "minute": 25, "second": 33}
